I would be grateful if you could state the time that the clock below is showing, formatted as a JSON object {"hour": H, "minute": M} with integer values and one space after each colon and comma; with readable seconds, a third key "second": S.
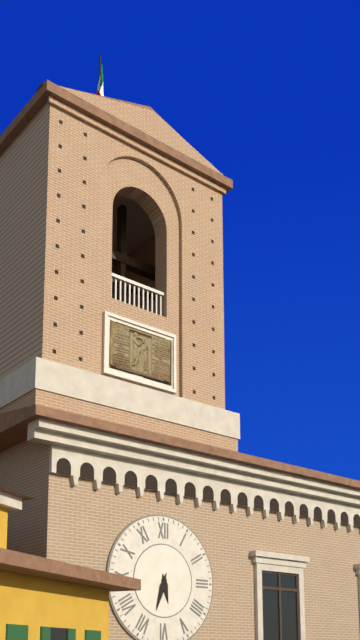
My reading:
{"hour": 5, "minute": 33}
